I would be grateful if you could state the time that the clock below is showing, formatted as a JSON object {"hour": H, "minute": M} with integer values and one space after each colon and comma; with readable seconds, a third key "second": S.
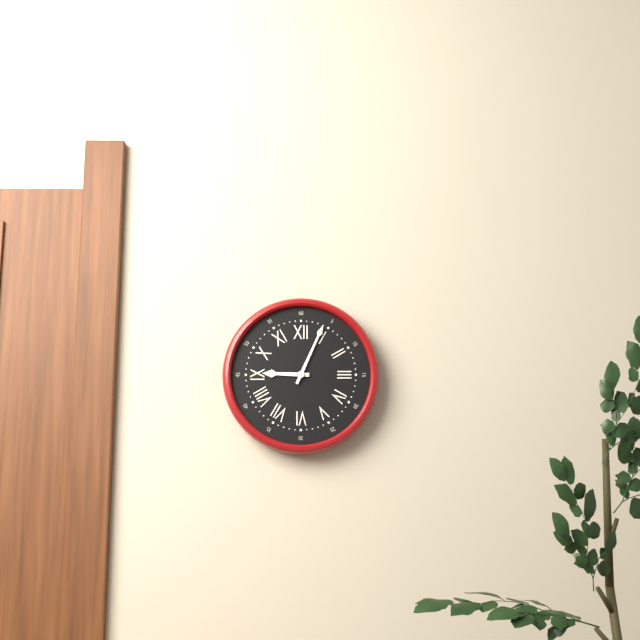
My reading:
{"hour": 9, "minute": 4}
